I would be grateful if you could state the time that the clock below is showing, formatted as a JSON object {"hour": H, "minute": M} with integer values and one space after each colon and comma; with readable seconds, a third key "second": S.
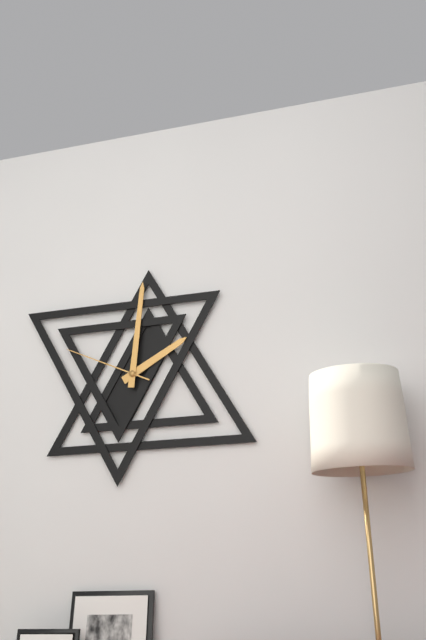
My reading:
{"hour": 2, "minute": 1, "second": 49}
